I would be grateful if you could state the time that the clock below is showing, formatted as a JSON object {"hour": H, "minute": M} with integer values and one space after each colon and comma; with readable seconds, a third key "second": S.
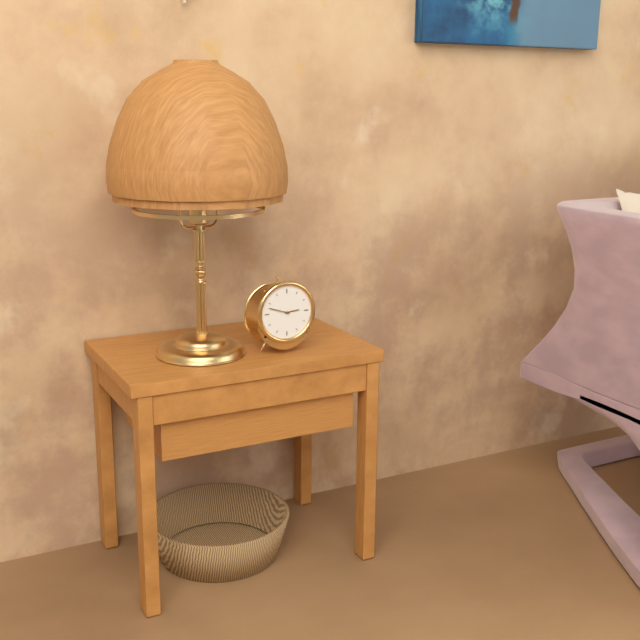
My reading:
{"hour": 2, "minute": 48}
